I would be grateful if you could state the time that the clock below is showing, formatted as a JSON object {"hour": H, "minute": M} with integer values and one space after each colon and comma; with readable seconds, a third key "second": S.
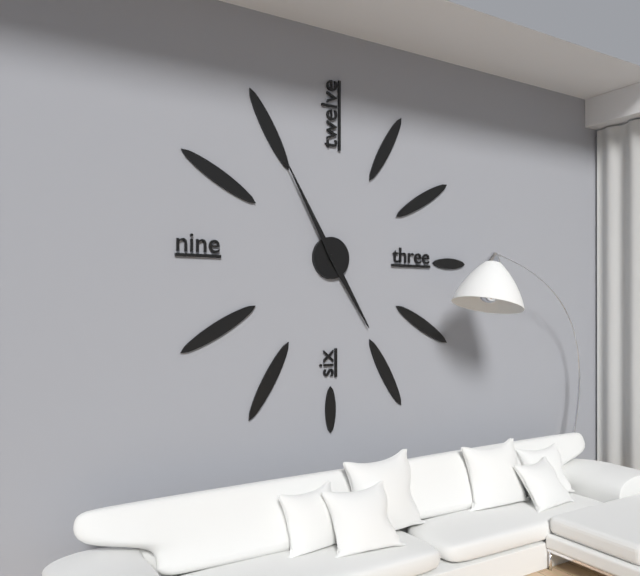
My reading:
{"hour": 4, "minute": 55}
